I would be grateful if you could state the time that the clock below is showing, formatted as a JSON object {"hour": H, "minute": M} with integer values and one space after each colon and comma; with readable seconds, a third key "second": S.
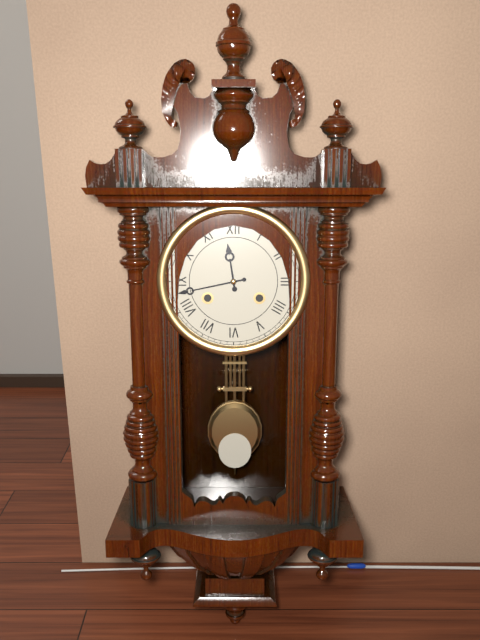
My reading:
{"hour": 11, "minute": 43}
